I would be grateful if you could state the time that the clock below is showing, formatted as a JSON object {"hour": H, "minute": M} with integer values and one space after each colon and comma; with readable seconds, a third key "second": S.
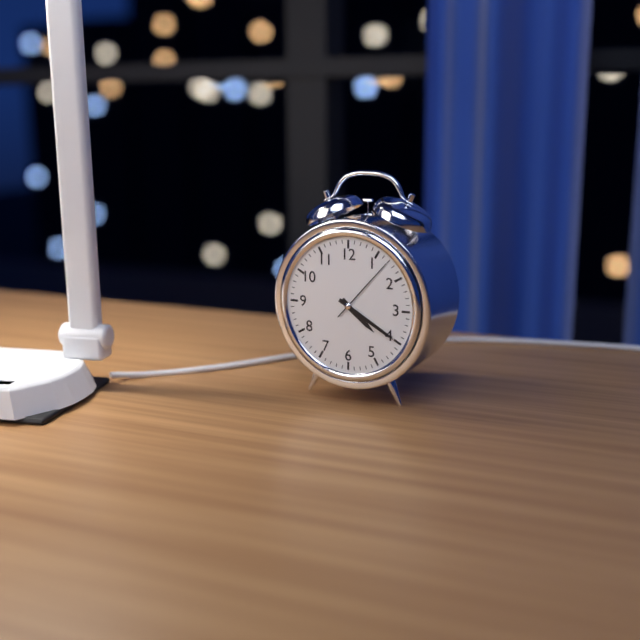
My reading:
{"hour": 4, "minute": 20, "second": 7}
